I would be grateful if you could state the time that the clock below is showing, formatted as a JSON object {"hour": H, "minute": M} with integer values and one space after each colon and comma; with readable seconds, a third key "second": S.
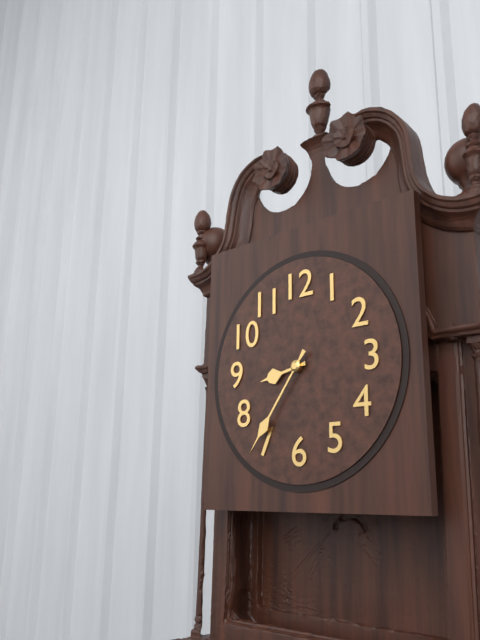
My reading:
{"hour": 8, "minute": 36}
